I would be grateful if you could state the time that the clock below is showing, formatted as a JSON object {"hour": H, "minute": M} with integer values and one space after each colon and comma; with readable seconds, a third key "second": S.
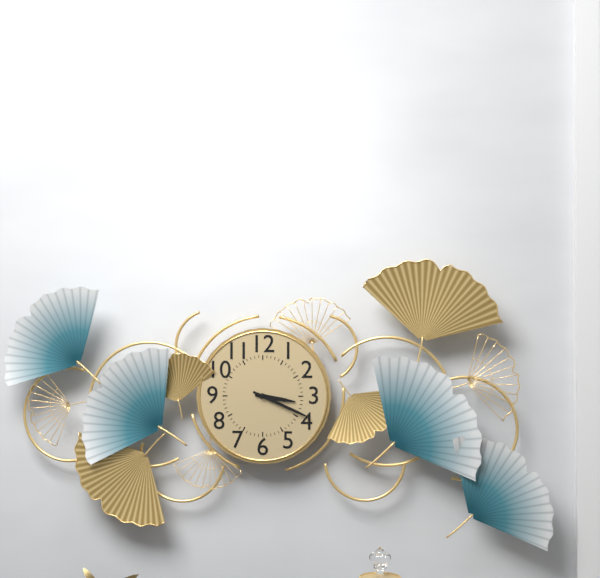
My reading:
{"hour": 3, "minute": 19}
